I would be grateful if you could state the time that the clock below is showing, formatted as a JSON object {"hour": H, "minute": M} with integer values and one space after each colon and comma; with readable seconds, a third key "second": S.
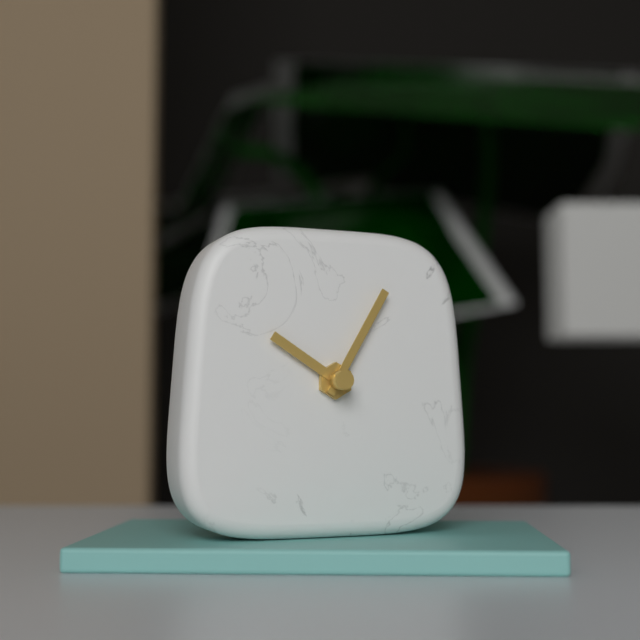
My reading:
{"hour": 10, "minute": 5}
